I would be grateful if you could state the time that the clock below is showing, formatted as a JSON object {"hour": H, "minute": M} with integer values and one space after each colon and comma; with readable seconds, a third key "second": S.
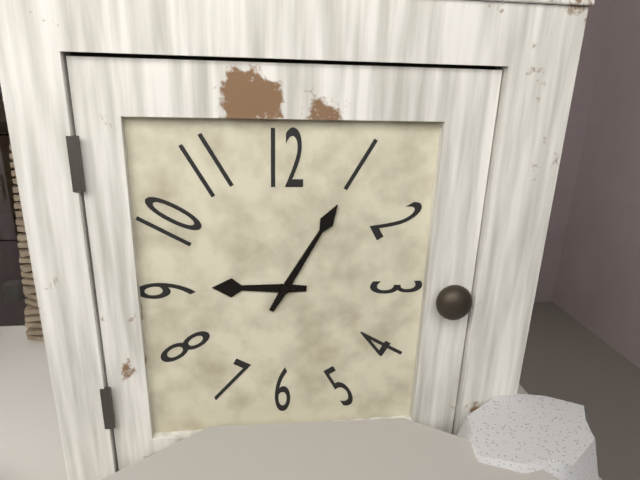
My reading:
{"hour": 9, "minute": 5}
